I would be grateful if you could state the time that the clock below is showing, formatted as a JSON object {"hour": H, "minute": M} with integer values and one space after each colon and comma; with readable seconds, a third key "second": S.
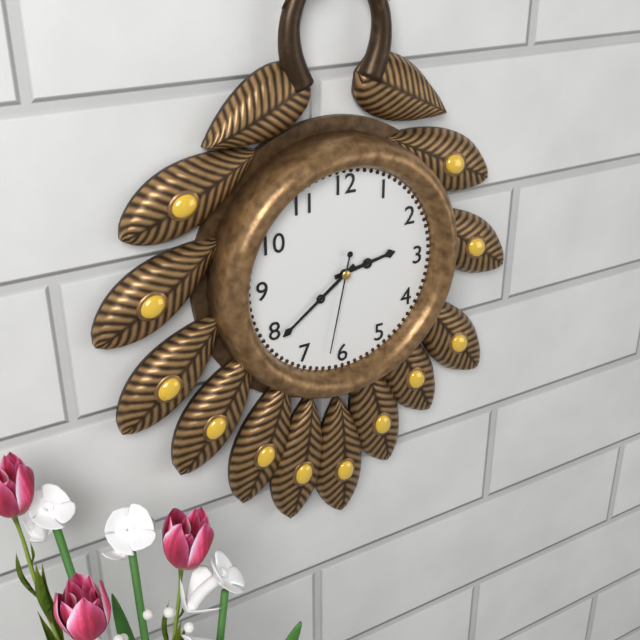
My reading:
{"hour": 2, "minute": 39, "second": 32}
